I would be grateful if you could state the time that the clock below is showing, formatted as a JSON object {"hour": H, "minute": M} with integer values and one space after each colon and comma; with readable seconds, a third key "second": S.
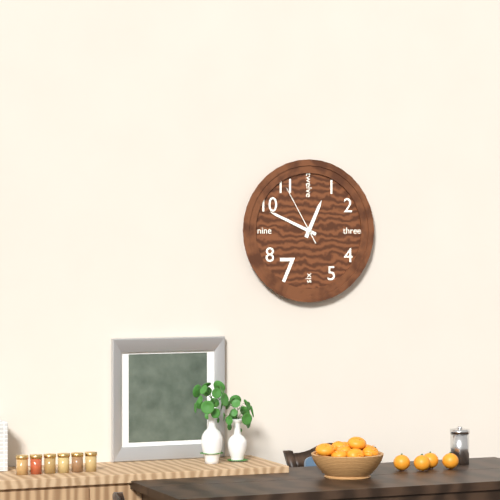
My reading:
{"hour": 12, "minute": 49, "second": 55}
